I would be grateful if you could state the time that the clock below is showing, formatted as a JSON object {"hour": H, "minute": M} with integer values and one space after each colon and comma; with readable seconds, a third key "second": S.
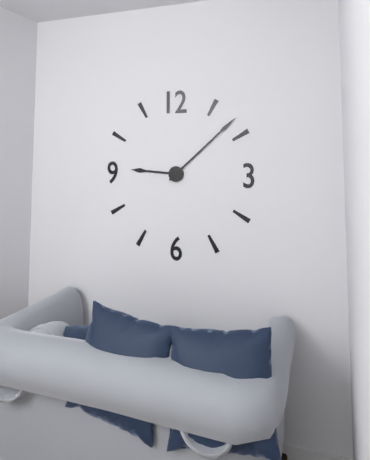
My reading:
{"hour": 9, "minute": 8}
